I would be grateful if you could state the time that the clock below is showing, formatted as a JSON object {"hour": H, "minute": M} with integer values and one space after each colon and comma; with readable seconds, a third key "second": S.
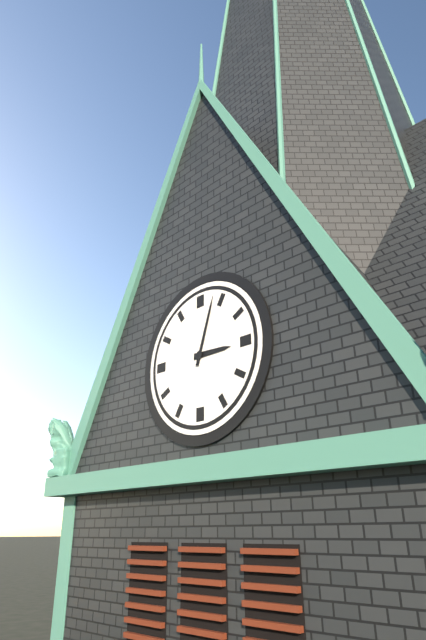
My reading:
{"hour": 3, "minute": 3}
